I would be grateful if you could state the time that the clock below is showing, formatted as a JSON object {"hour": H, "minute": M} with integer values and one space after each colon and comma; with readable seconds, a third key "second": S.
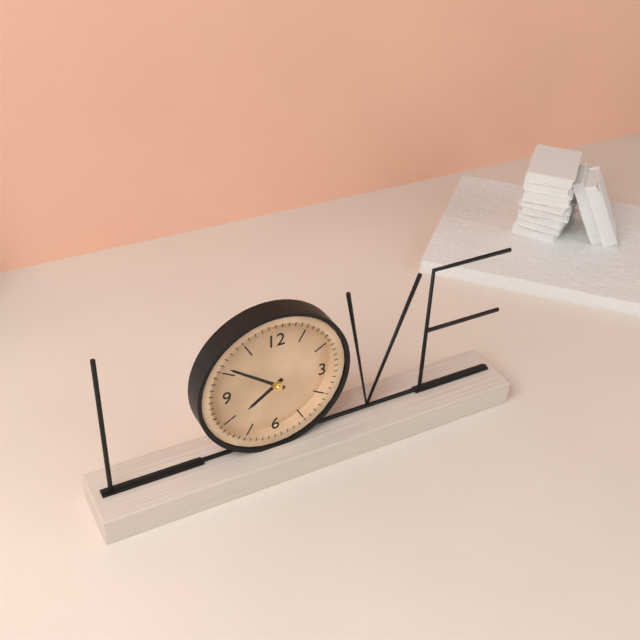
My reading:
{"hour": 7, "minute": 51}
